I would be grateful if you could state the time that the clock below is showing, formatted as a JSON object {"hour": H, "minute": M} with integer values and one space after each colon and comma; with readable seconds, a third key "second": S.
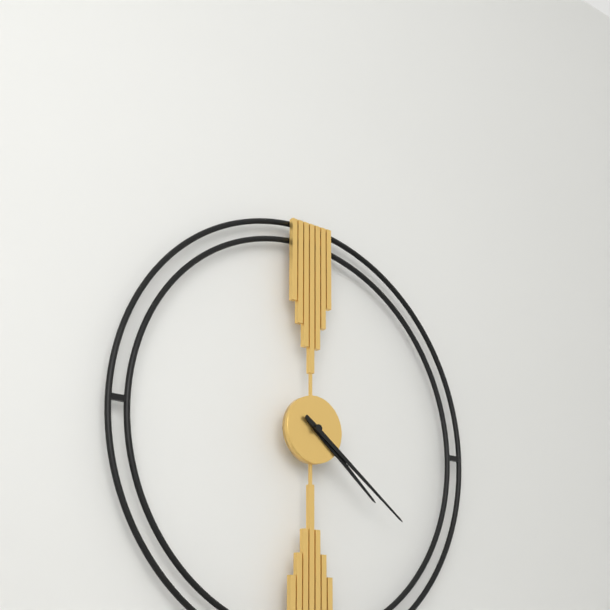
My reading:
{"hour": 4, "minute": 21}
